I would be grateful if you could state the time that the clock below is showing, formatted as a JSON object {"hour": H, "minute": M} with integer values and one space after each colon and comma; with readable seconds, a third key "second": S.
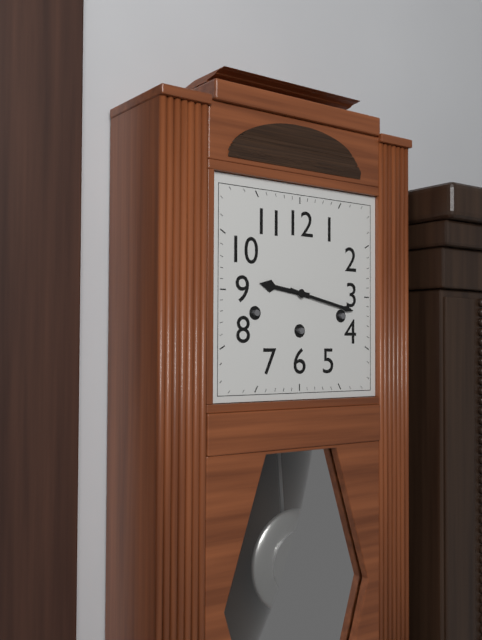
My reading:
{"hour": 9, "minute": 17}
